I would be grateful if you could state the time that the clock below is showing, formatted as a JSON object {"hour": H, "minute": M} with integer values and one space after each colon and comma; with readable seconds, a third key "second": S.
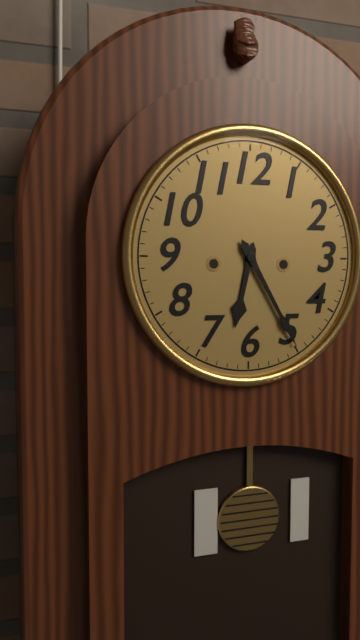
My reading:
{"hour": 6, "minute": 25}
